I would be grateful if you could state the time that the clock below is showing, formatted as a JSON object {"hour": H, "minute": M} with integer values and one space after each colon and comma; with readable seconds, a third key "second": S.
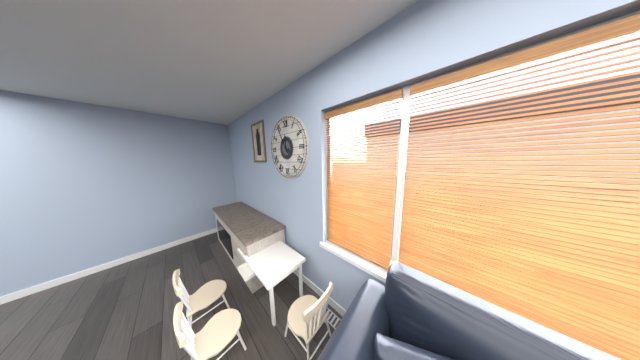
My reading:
{"hour": 11, "minute": 55}
